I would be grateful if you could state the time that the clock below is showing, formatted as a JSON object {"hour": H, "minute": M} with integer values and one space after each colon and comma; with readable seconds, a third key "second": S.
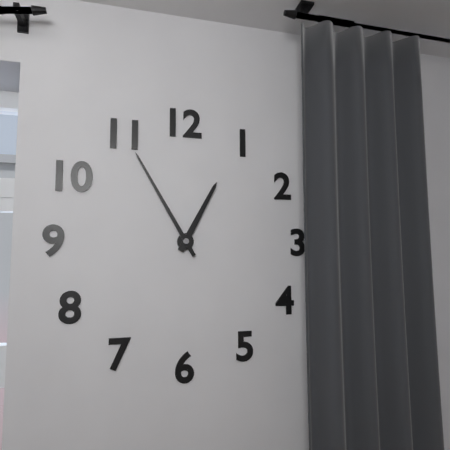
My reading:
{"hour": 12, "minute": 55}
